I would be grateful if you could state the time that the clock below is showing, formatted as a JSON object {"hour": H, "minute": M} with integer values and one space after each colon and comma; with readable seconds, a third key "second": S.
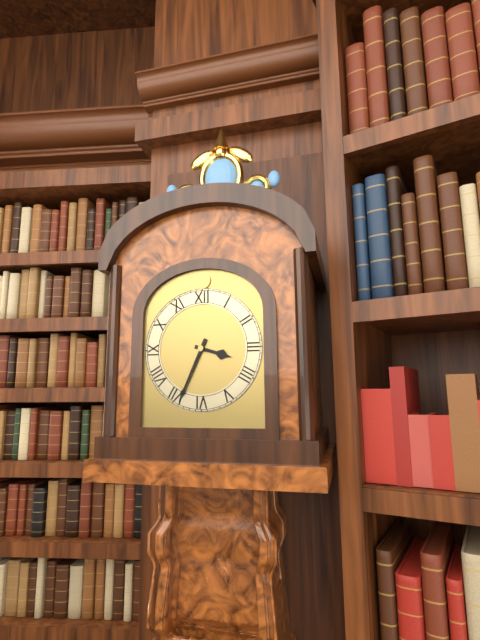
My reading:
{"hour": 3, "minute": 34}
